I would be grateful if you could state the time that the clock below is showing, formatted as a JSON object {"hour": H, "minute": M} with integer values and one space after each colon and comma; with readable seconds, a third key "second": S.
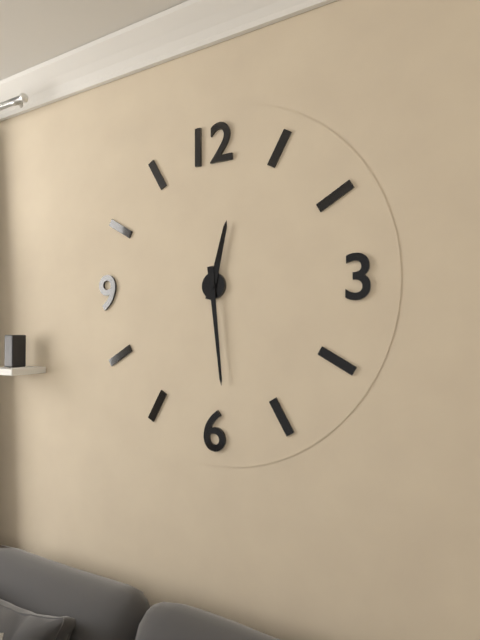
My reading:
{"hour": 12, "minute": 29}
